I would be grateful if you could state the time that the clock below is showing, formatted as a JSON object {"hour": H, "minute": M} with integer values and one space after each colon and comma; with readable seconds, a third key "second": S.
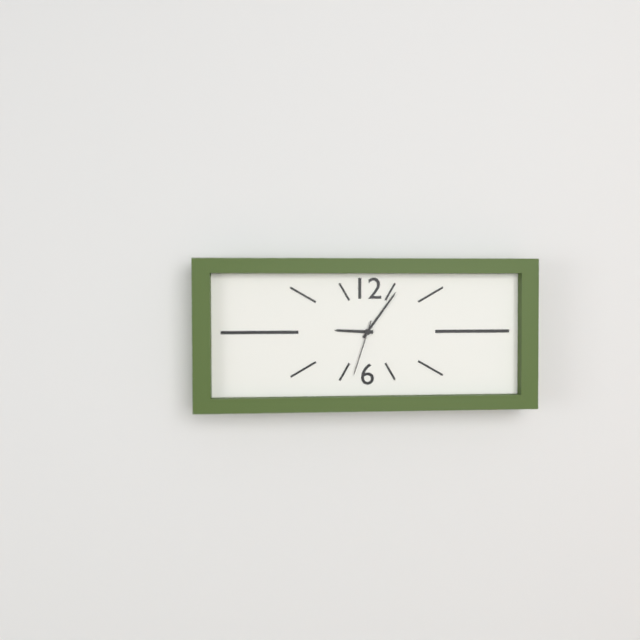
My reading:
{"hour": 9, "minute": 6, "second": 33}
